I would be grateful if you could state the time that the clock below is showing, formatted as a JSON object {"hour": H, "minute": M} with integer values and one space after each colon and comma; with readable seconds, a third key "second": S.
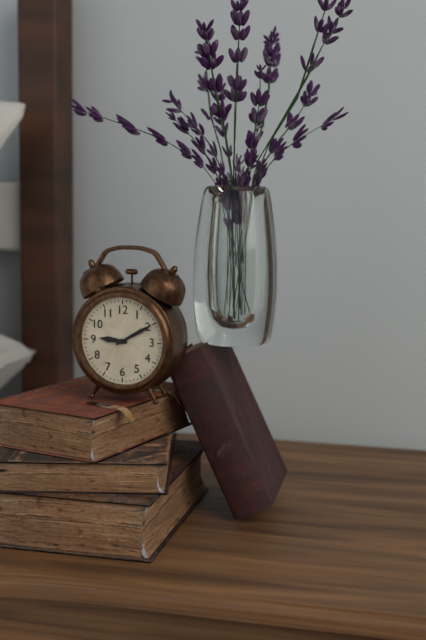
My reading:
{"hour": 9, "minute": 10}
